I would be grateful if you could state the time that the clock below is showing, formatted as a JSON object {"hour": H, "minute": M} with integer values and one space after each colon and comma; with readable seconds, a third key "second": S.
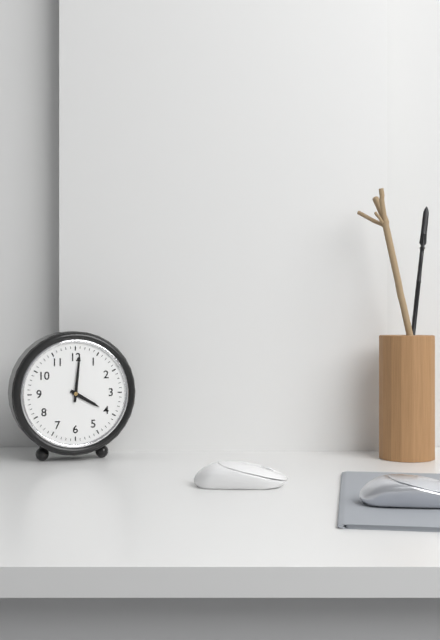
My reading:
{"hour": 4, "minute": 1}
